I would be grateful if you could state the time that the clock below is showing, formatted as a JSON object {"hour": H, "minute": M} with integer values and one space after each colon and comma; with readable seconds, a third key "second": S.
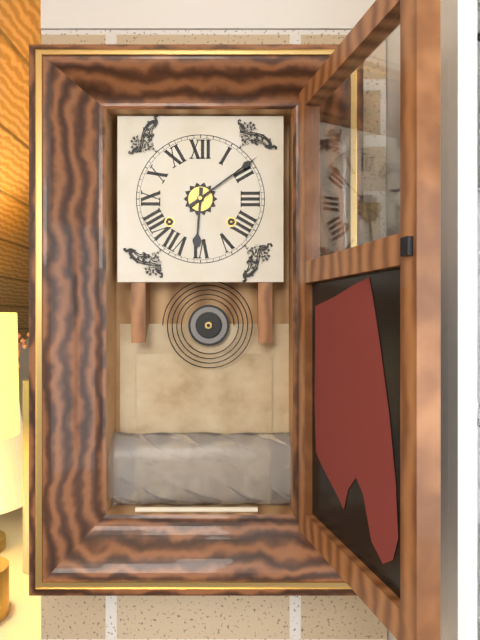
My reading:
{"hour": 6, "minute": 9}
